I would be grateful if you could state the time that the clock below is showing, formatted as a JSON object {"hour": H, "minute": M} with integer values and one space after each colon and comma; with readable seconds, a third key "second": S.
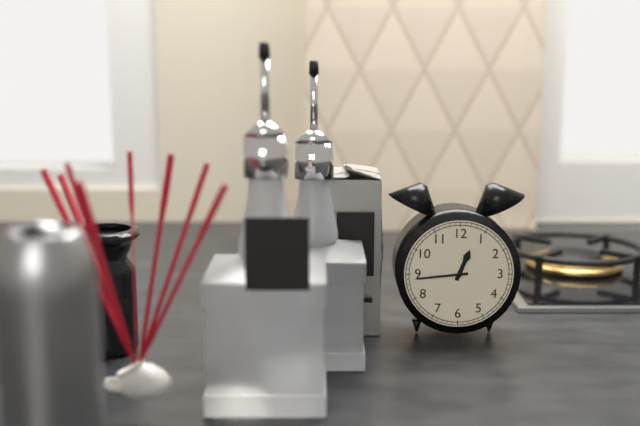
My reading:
{"hour": 12, "minute": 44}
